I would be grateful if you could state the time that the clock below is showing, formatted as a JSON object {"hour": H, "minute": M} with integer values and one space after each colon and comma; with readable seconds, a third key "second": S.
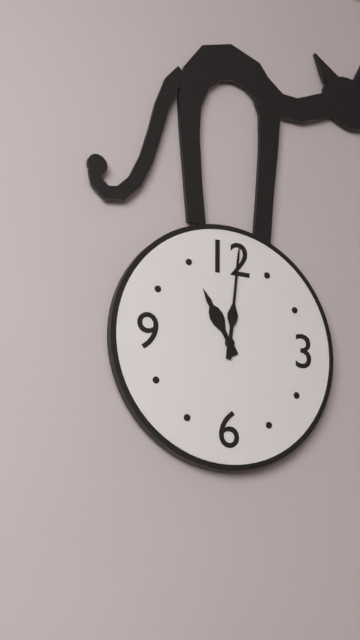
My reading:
{"hour": 11, "minute": 1}
